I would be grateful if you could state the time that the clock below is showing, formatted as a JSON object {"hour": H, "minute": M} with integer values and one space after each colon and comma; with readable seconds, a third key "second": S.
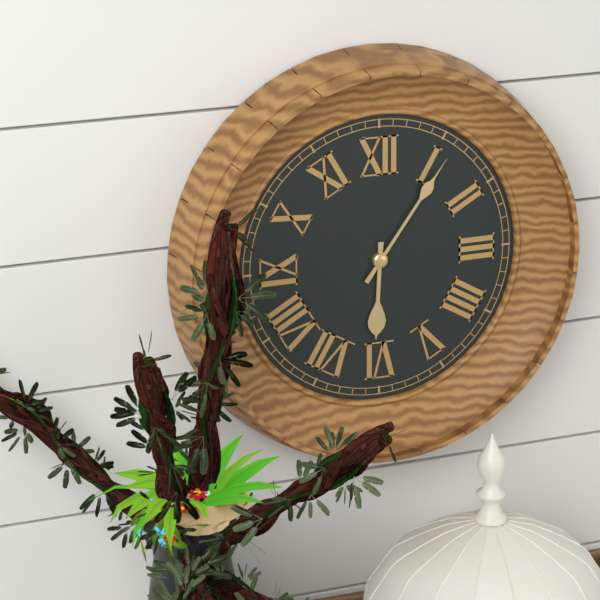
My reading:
{"hour": 6, "minute": 6}
